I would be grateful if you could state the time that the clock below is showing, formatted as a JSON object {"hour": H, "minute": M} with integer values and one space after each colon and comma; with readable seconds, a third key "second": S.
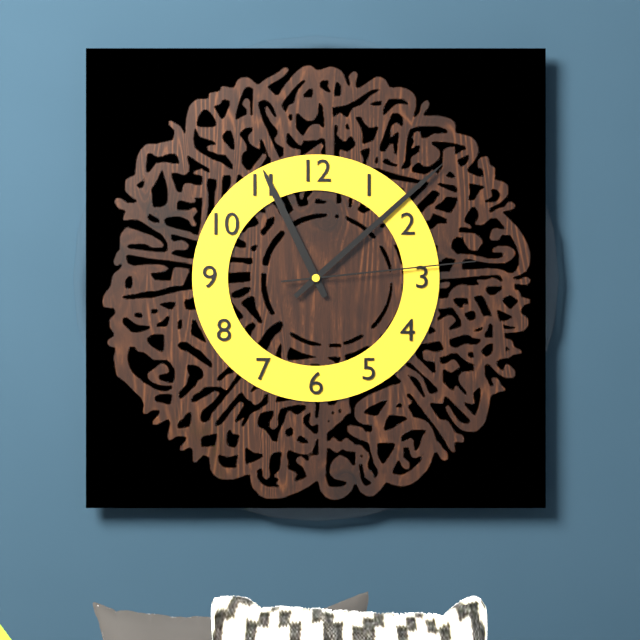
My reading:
{"hour": 11, "minute": 8, "second": 14}
